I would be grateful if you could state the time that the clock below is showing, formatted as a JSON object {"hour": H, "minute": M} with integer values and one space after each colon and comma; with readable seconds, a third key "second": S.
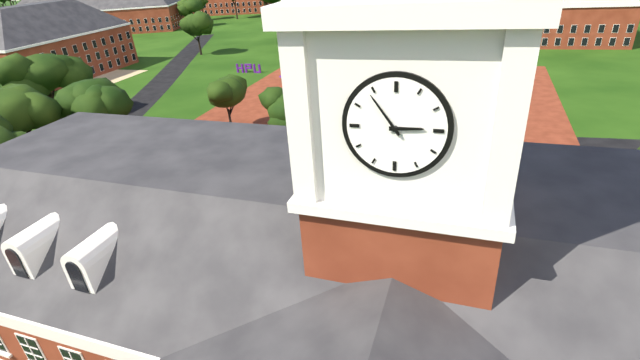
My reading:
{"hour": 2, "minute": 54}
